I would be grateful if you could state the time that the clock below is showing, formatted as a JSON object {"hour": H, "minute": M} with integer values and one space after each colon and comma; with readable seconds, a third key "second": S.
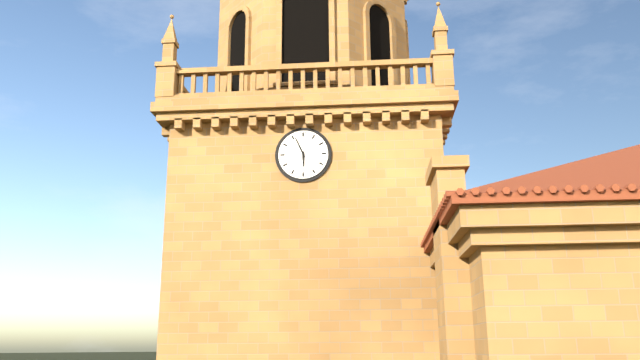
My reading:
{"hour": 5, "minute": 56}
